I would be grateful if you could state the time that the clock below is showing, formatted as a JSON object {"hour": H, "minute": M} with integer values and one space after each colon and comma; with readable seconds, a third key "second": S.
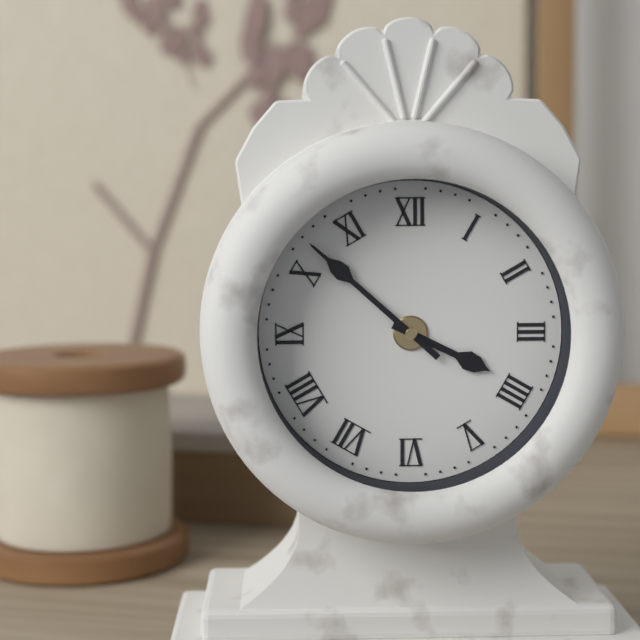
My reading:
{"hour": 3, "minute": 52}
